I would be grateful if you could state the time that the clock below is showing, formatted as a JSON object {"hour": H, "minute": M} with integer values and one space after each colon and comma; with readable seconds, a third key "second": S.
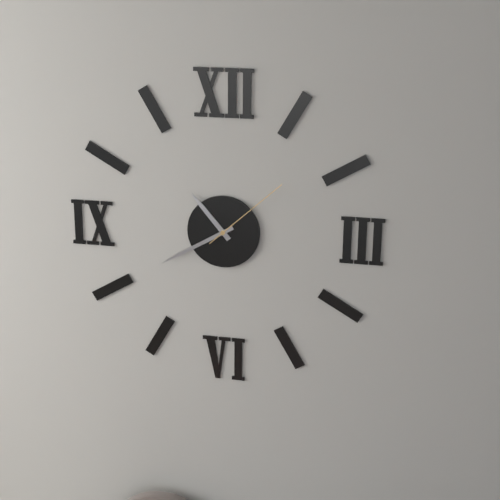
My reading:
{"hour": 10, "minute": 40, "second": 8}
